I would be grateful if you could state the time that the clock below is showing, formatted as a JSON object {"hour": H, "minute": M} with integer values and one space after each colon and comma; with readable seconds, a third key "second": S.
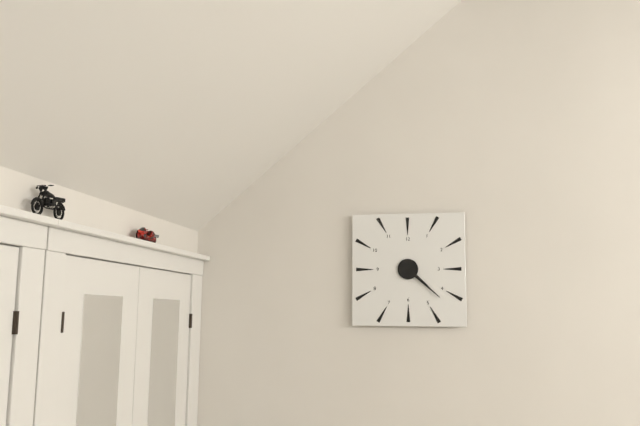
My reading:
{"hour": 4, "minute": 22}
